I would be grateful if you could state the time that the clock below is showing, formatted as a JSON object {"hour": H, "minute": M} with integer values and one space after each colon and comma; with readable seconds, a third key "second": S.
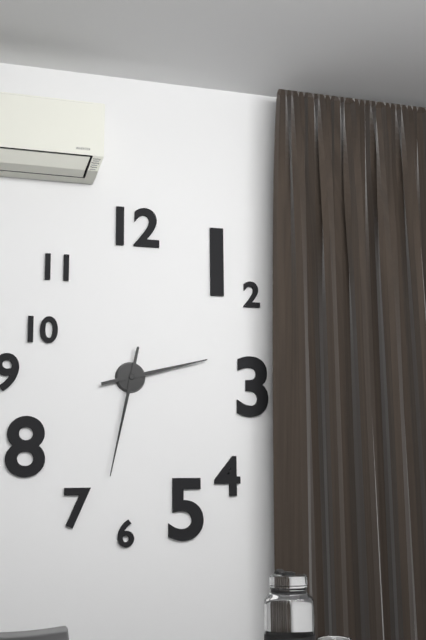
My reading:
{"hour": 2, "minute": 32}
